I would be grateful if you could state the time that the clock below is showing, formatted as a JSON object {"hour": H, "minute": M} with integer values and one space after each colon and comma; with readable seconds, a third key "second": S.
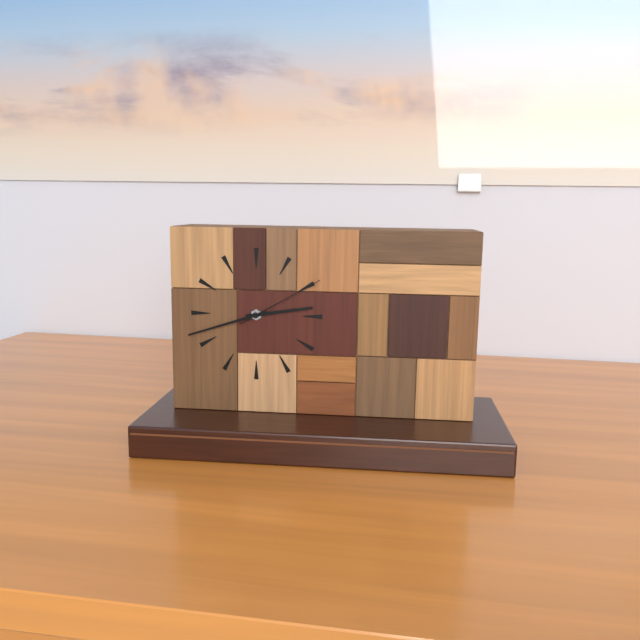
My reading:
{"hour": 2, "minute": 42, "second": 10}
